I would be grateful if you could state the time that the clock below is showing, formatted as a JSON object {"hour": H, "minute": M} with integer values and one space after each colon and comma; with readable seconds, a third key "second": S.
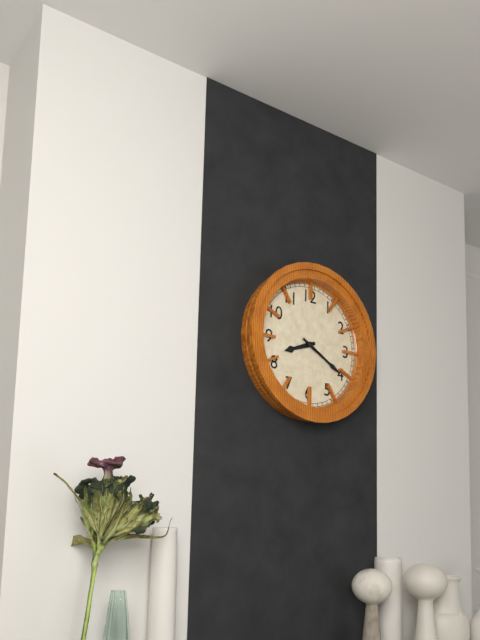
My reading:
{"hour": 8, "minute": 20}
